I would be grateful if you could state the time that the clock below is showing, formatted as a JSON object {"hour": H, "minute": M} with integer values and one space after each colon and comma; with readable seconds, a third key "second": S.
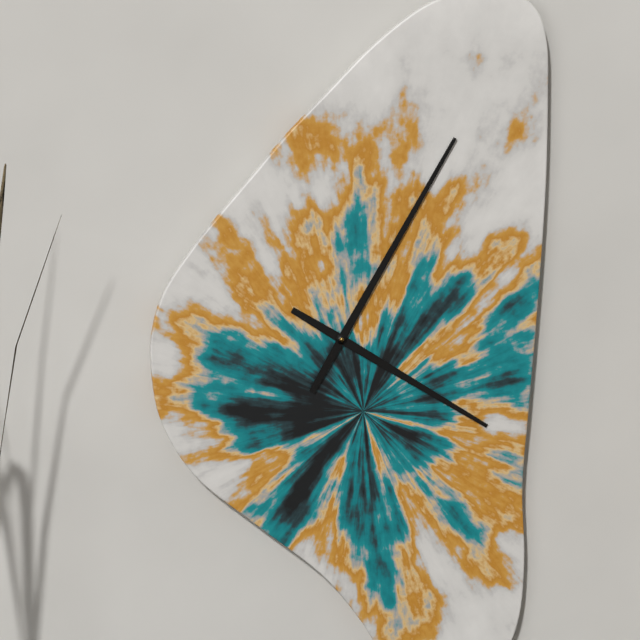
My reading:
{"hour": 4, "minute": 5}
